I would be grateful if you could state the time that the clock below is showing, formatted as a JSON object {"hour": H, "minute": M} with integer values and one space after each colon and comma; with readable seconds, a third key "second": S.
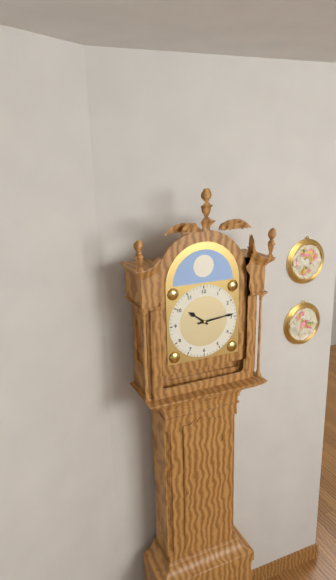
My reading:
{"hour": 10, "minute": 14}
